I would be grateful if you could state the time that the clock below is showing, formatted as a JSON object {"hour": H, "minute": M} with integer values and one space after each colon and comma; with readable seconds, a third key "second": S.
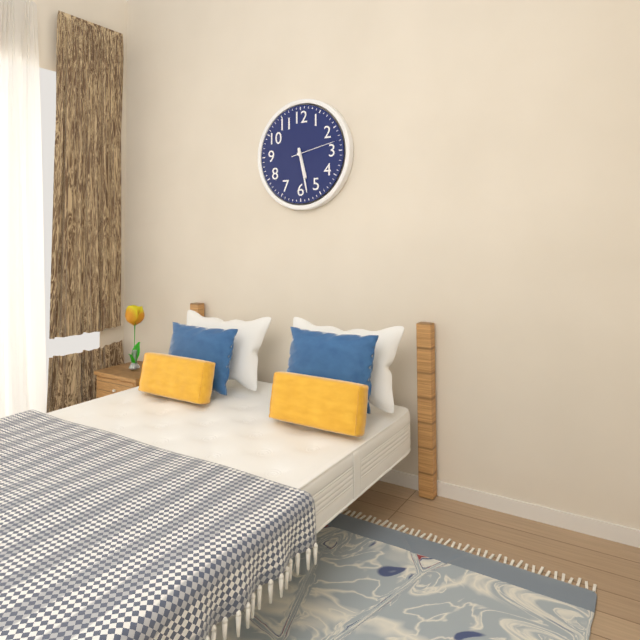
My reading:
{"hour": 5, "minute": 28}
